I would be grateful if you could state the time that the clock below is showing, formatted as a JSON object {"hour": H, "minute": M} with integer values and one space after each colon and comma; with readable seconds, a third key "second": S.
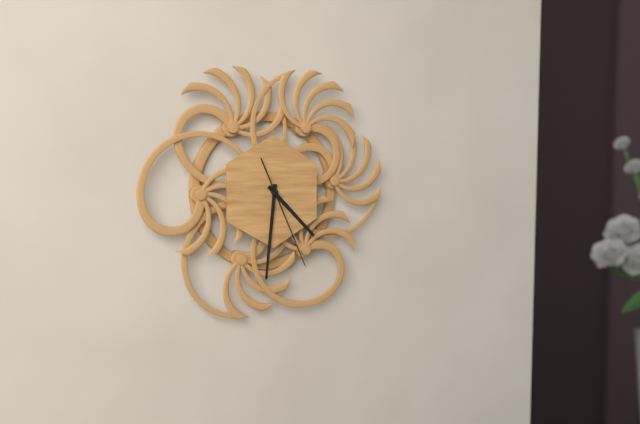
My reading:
{"hour": 4, "minute": 31, "second": 26}
